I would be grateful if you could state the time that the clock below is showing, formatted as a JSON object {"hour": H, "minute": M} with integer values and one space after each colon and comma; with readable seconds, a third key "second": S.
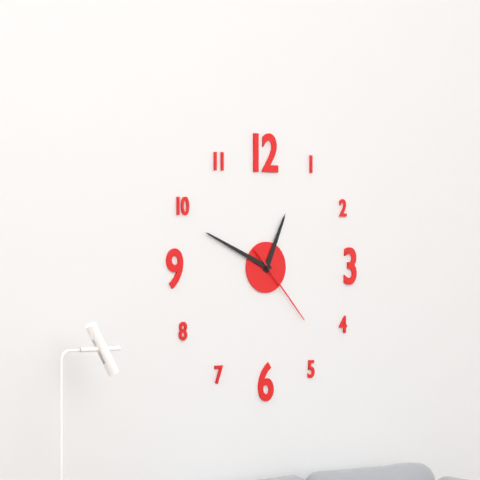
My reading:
{"hour": 12, "minute": 49, "second": 23}
